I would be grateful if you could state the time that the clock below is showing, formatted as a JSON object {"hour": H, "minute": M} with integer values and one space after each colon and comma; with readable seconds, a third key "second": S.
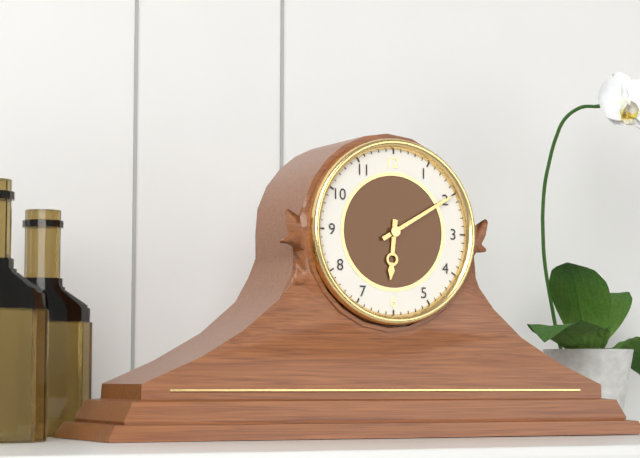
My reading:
{"hour": 6, "minute": 10}
